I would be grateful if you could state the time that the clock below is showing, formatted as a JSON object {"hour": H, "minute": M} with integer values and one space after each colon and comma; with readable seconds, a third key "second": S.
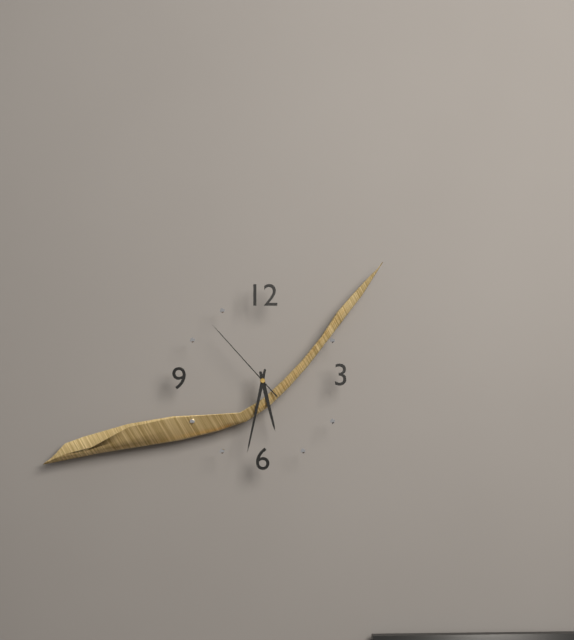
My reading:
{"hour": 5, "minute": 32, "second": 53}
